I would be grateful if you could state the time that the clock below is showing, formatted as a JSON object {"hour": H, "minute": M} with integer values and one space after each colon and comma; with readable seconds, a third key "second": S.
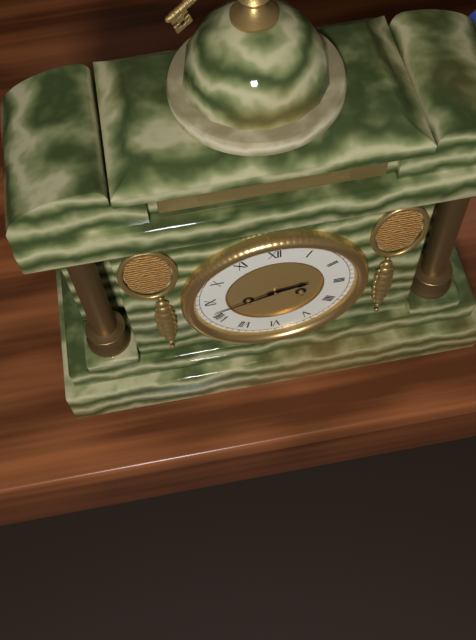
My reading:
{"hour": 2, "minute": 42}
